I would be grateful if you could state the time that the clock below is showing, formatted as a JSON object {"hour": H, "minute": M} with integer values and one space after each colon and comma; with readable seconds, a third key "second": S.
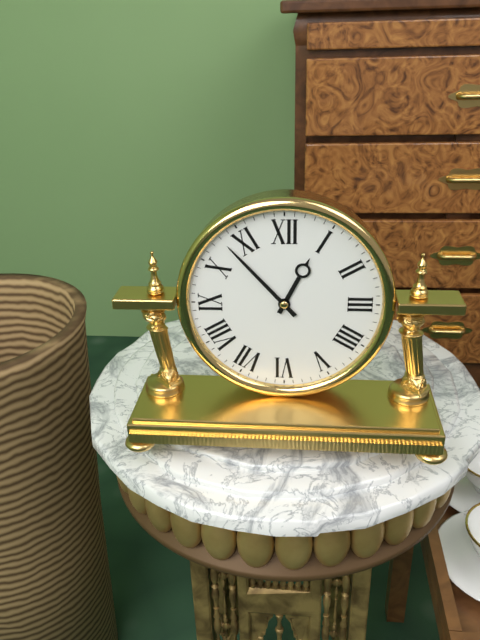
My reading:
{"hour": 12, "minute": 53}
